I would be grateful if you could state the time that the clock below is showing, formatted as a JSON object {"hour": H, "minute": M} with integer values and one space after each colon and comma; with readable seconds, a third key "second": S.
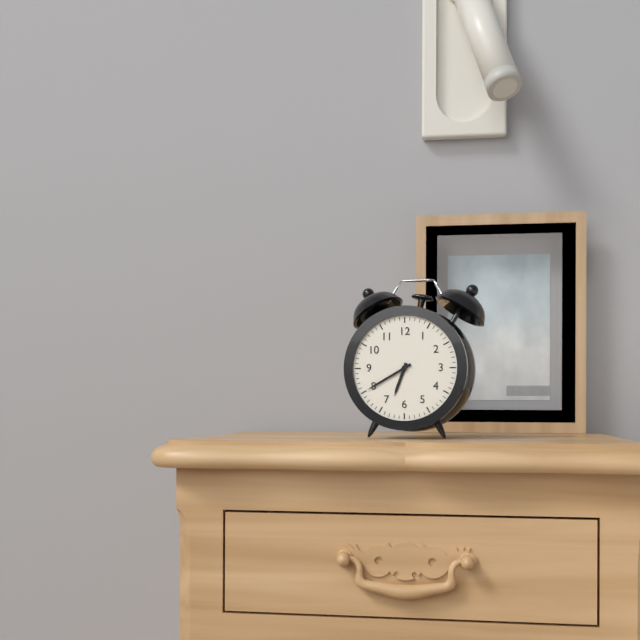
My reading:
{"hour": 6, "minute": 40}
